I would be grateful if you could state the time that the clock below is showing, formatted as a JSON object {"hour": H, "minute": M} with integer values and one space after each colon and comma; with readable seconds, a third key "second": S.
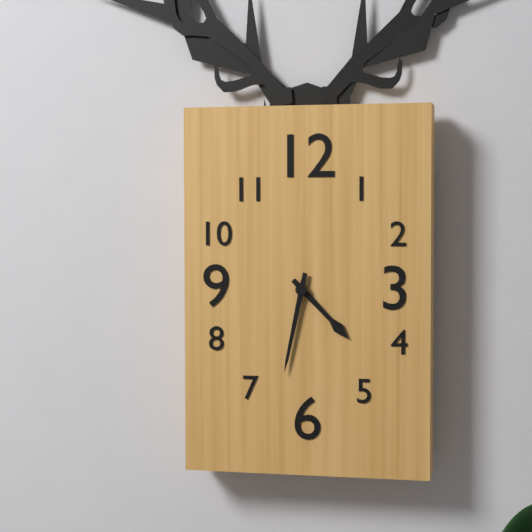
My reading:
{"hour": 4, "minute": 32}
